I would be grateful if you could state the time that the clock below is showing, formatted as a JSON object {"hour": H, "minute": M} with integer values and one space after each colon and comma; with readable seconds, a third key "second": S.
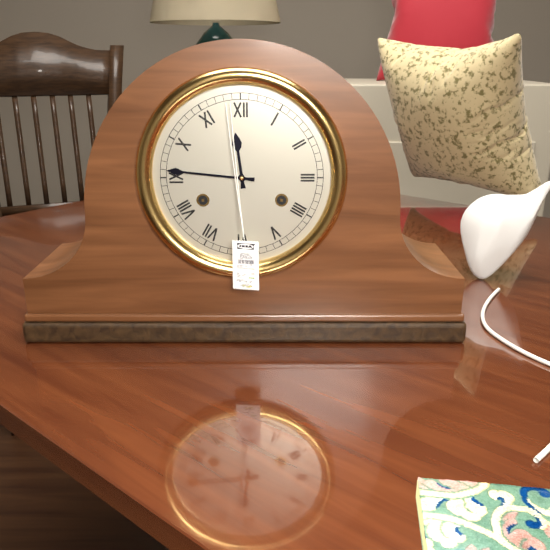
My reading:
{"hour": 11, "minute": 46}
